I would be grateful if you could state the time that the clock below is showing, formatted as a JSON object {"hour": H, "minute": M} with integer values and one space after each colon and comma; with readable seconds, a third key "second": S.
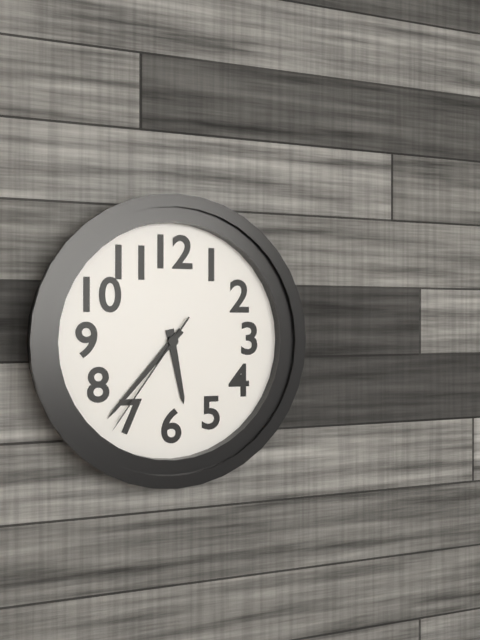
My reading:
{"hour": 5, "minute": 37, "second": 36}
